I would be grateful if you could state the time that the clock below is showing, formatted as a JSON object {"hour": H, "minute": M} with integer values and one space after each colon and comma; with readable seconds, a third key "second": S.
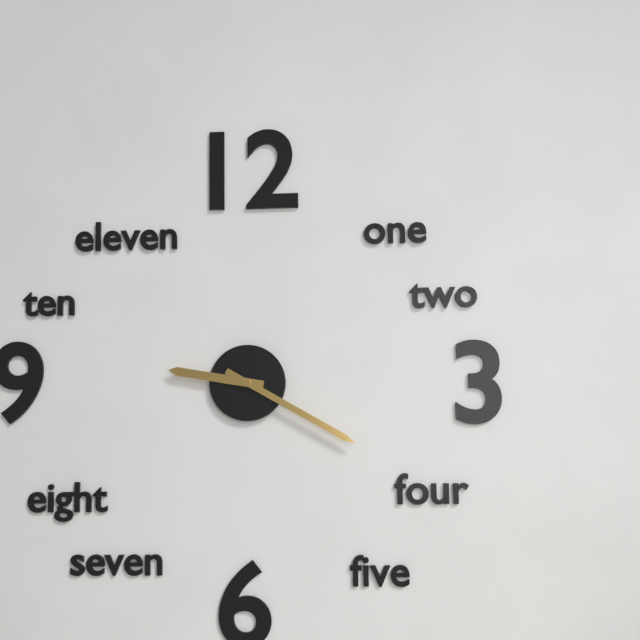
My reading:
{"hour": 9, "minute": 20}
